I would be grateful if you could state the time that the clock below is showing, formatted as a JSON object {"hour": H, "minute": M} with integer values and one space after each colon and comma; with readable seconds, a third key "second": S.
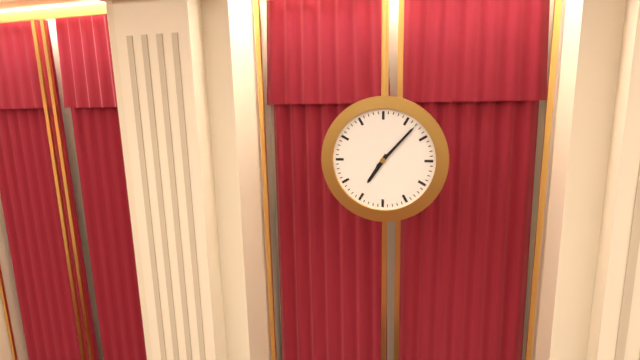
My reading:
{"hour": 7, "minute": 7}
